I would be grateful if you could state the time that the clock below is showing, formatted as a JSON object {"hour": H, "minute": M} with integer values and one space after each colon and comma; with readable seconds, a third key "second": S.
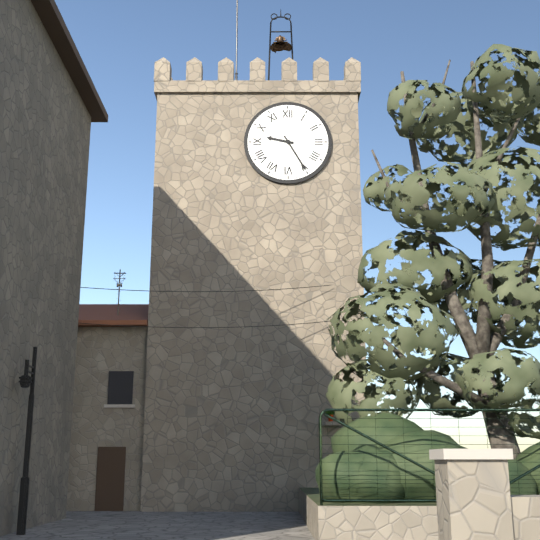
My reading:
{"hour": 9, "minute": 25}
